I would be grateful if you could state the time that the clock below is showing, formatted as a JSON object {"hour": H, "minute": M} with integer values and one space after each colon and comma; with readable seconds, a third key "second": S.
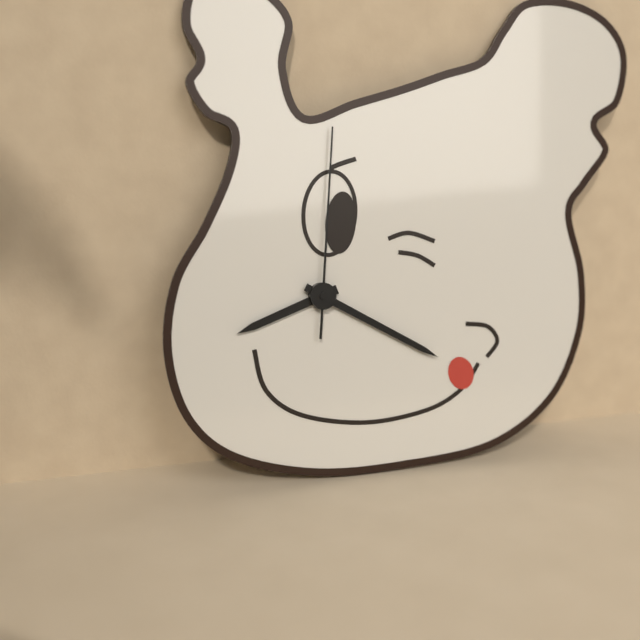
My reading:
{"hour": 8, "minute": 20, "second": 1}
